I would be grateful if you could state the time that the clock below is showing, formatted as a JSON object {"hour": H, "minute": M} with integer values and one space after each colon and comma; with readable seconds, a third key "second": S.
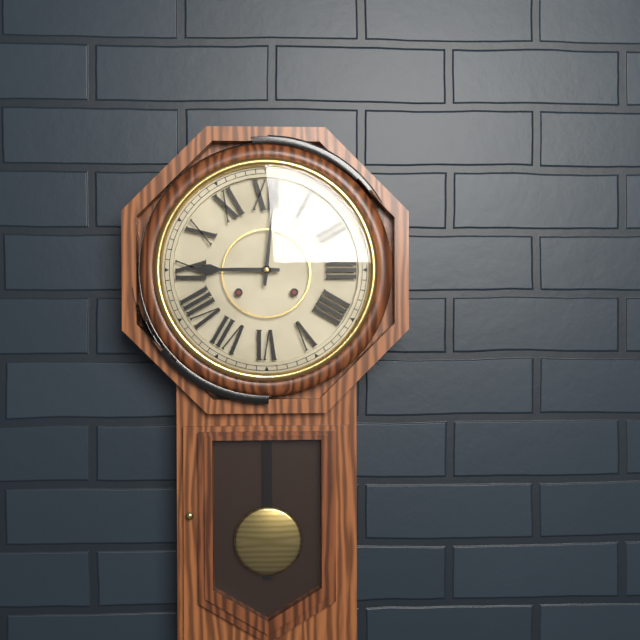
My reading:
{"hour": 9, "minute": 1}
